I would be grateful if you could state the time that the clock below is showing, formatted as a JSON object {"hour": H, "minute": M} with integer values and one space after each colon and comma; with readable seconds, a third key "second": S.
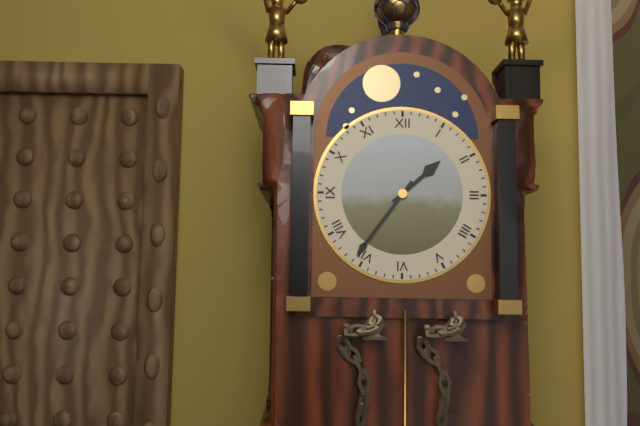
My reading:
{"hour": 1, "minute": 36}
